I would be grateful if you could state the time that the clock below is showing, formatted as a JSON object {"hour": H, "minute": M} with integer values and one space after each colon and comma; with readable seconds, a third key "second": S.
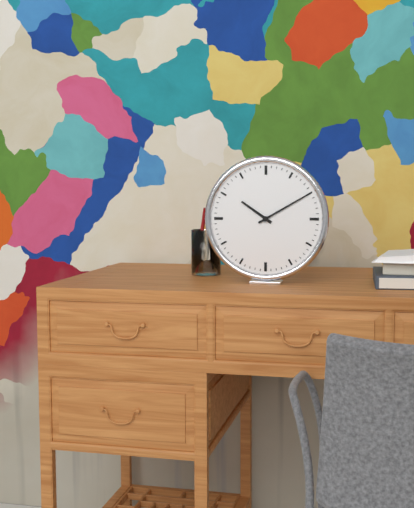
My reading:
{"hour": 10, "minute": 10}
